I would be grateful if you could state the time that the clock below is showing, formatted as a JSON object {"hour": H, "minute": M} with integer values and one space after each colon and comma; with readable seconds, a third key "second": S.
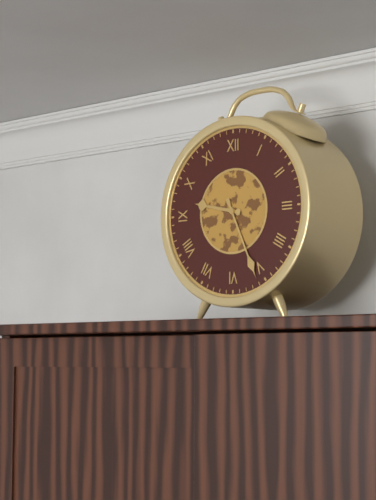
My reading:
{"hour": 9, "minute": 26}
